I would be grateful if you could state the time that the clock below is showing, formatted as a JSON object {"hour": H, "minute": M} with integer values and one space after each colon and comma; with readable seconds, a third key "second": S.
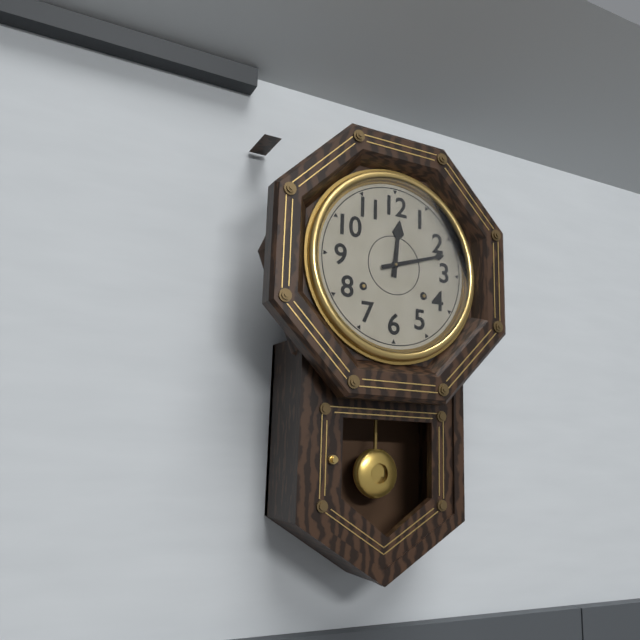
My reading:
{"hour": 12, "minute": 12}
